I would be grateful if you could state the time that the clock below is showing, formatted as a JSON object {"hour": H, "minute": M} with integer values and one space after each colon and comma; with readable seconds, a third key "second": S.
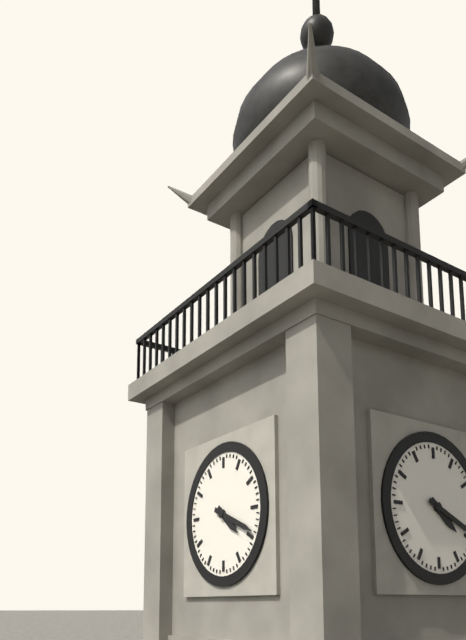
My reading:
{"hour": 4, "minute": 19}
